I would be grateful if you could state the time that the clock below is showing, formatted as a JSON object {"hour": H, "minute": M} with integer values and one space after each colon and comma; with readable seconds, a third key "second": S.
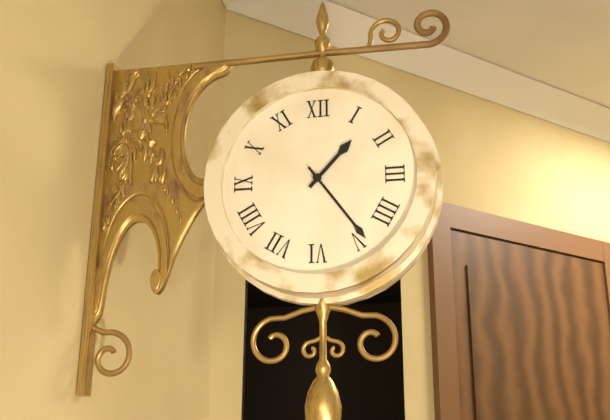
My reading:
{"hour": 1, "minute": 24}
